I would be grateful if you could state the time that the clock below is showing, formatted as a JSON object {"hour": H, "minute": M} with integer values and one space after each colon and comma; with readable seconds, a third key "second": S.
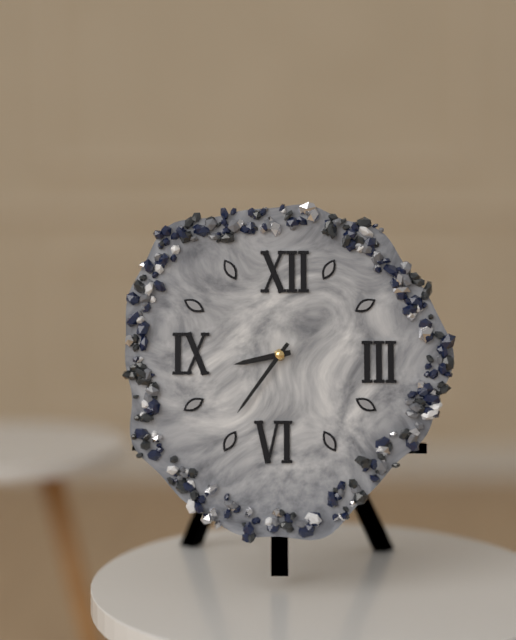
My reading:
{"hour": 8, "minute": 36}
